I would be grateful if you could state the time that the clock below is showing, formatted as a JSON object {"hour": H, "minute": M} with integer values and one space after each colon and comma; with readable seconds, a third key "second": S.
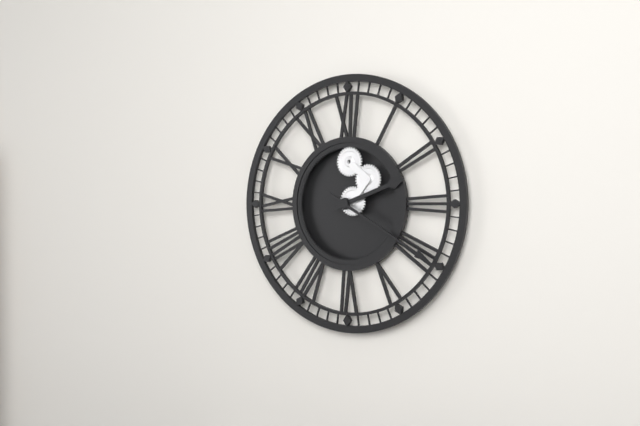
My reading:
{"hour": 2, "minute": 20}
